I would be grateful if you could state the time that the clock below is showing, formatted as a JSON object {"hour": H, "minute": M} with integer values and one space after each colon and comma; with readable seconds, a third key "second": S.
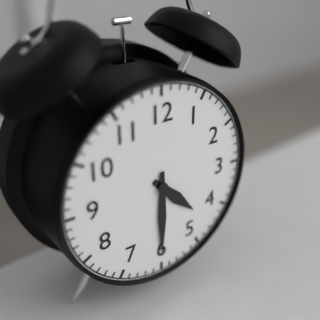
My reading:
{"hour": 4, "minute": 30}
